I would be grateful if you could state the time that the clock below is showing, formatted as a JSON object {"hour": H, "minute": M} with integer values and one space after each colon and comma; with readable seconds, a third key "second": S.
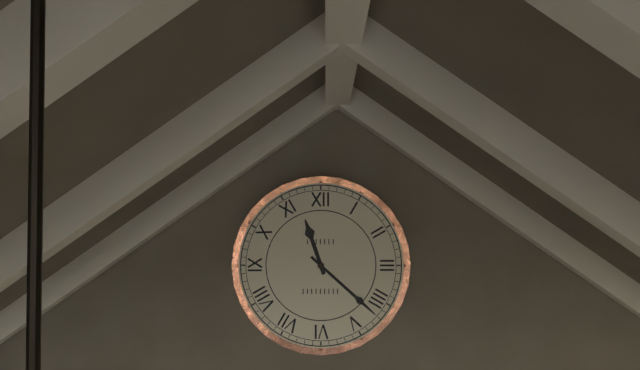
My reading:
{"hour": 11, "minute": 22}
